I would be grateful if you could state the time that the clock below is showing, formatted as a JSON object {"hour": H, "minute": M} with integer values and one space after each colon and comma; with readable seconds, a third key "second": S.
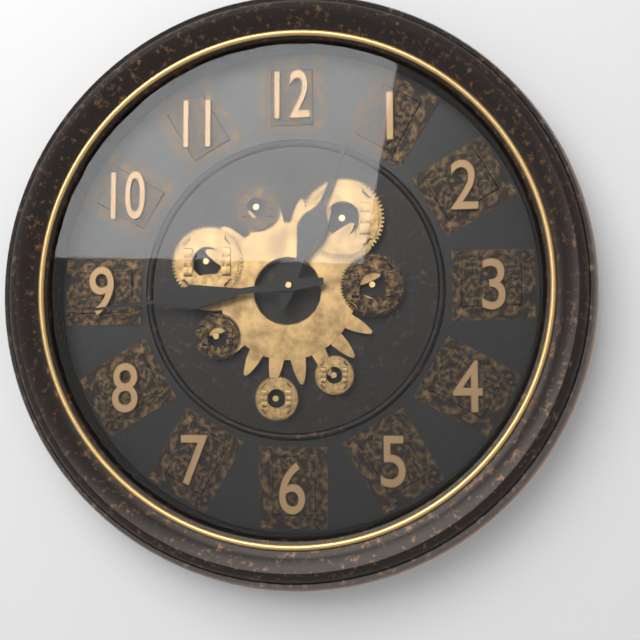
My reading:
{"hour": 12, "minute": 44}
